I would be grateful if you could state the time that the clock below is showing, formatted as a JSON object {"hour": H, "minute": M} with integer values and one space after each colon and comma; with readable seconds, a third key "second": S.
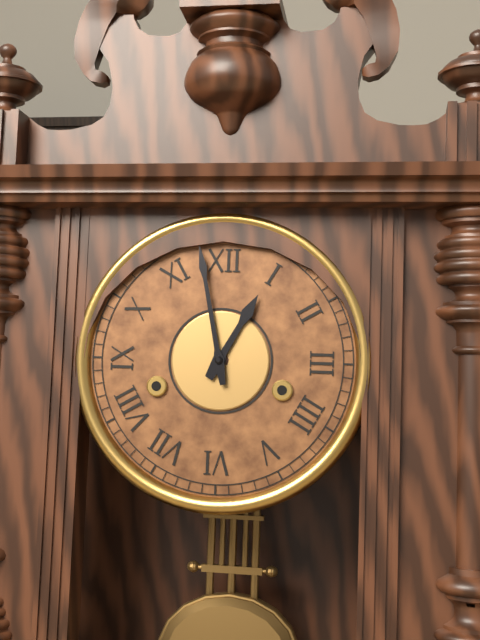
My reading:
{"hour": 12, "minute": 58}
